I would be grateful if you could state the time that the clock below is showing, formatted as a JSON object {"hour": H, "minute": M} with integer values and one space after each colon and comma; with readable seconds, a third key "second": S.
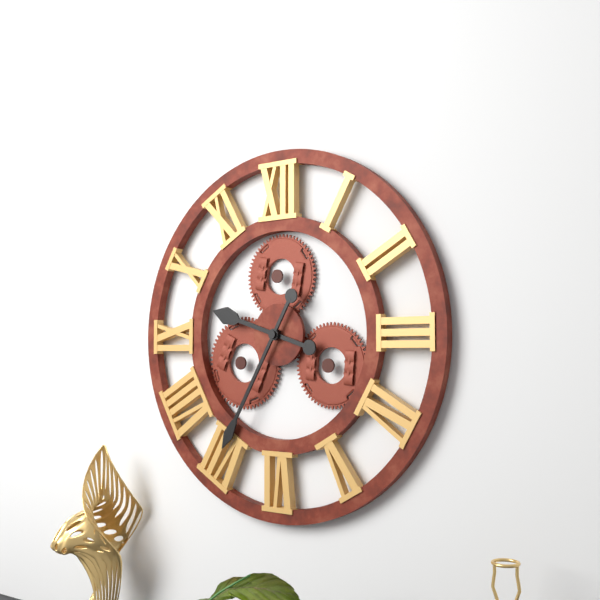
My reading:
{"hour": 9, "minute": 35}
